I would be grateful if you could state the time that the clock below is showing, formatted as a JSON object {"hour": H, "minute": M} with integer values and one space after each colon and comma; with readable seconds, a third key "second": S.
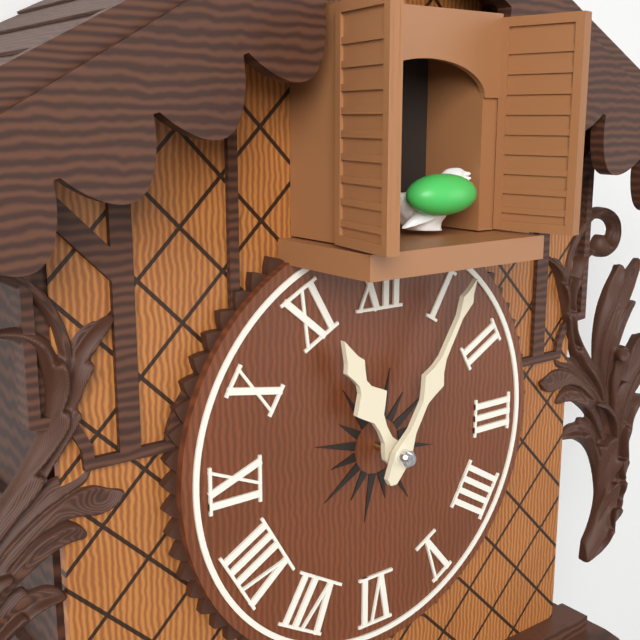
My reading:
{"hour": 11, "minute": 5}
